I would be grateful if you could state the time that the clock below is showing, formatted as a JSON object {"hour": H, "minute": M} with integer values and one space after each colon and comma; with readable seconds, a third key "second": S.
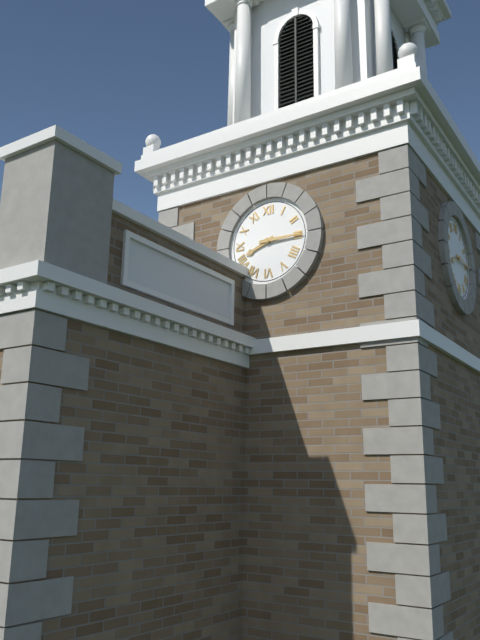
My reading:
{"hour": 8, "minute": 15}
